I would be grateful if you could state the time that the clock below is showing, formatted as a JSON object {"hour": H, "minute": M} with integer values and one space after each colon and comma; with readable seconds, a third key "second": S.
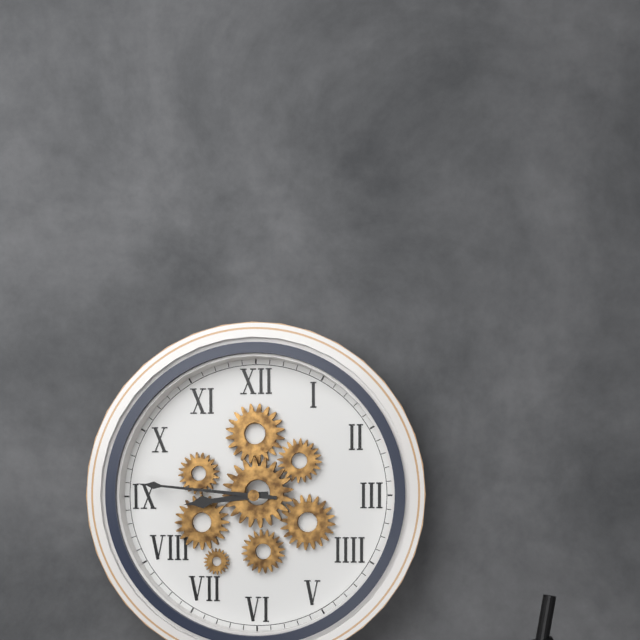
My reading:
{"hour": 8, "minute": 46}
